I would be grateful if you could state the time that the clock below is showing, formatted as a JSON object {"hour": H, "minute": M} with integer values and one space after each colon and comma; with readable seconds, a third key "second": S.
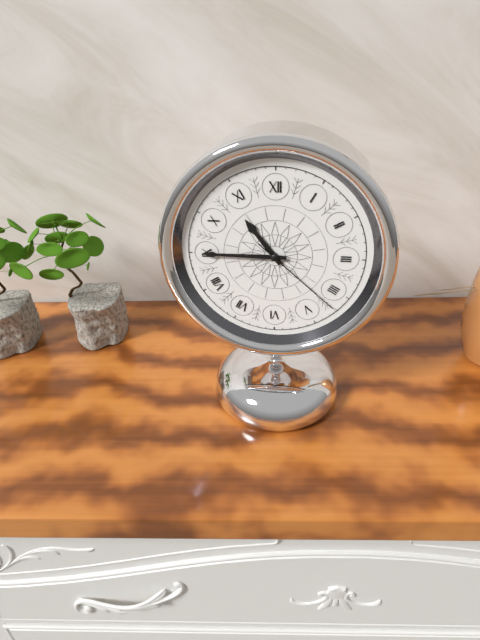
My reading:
{"hour": 10, "minute": 45, "second": 22}
